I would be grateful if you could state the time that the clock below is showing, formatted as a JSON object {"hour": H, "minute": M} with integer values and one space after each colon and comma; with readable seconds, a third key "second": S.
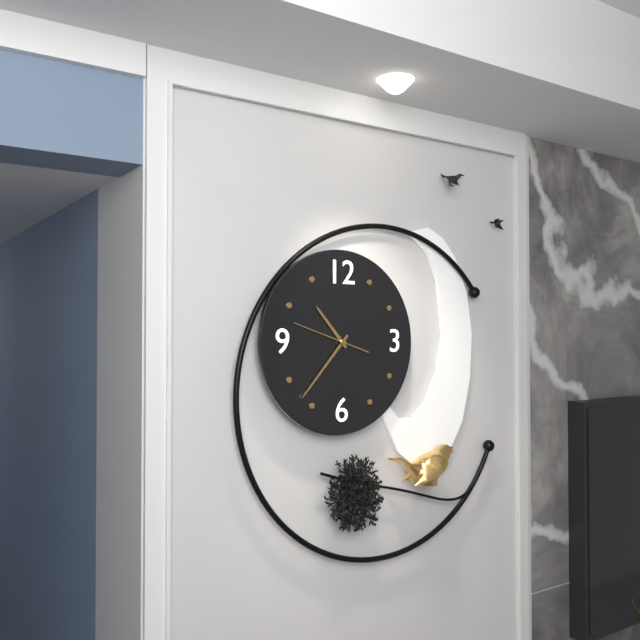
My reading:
{"hour": 10, "minute": 37, "second": 48}
